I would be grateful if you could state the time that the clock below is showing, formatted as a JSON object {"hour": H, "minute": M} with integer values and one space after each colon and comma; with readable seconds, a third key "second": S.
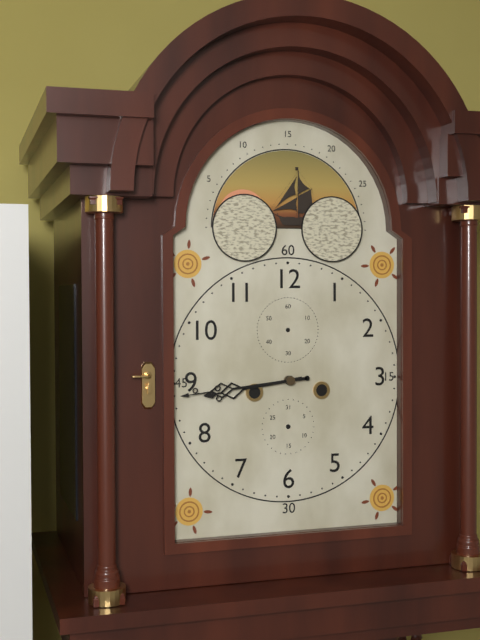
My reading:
{"hour": 8, "minute": 44}
